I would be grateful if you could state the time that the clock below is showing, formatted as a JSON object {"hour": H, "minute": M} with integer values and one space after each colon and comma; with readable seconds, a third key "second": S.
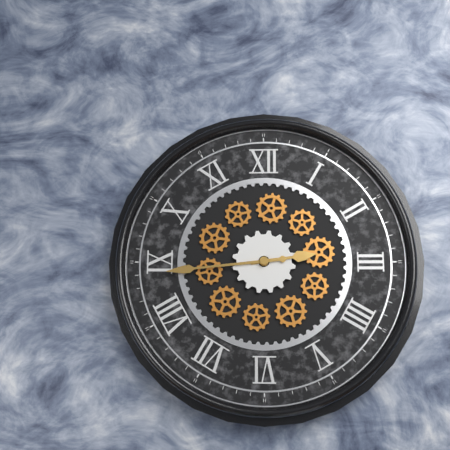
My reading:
{"hour": 2, "minute": 44}
